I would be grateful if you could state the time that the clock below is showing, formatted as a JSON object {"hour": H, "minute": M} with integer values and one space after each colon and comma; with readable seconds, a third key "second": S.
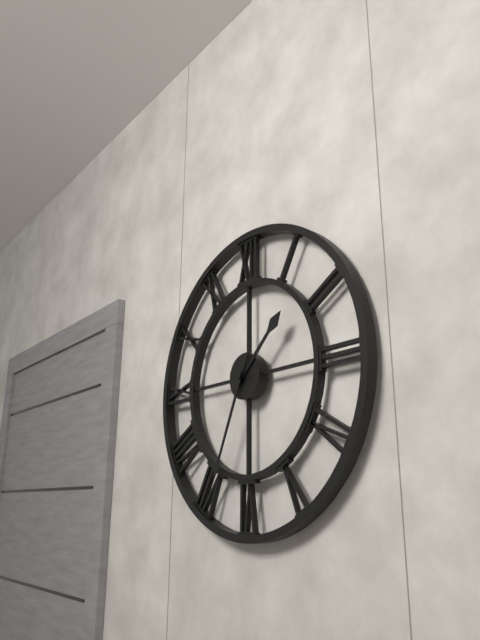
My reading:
{"hour": 1, "minute": 34}
